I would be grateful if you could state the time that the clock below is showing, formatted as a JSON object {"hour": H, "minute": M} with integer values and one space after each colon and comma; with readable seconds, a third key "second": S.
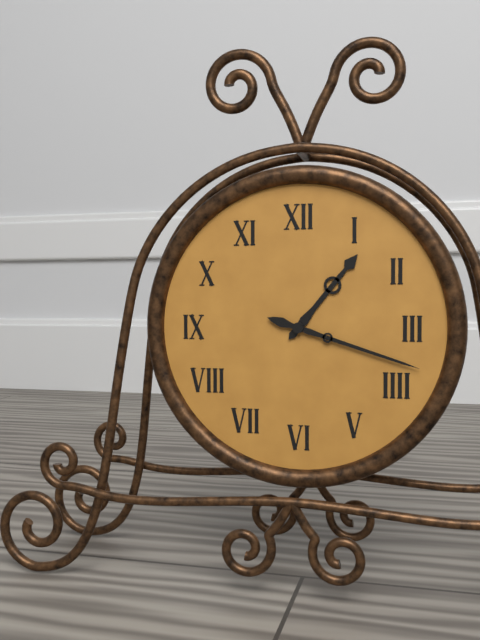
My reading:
{"hour": 1, "minute": 18}
